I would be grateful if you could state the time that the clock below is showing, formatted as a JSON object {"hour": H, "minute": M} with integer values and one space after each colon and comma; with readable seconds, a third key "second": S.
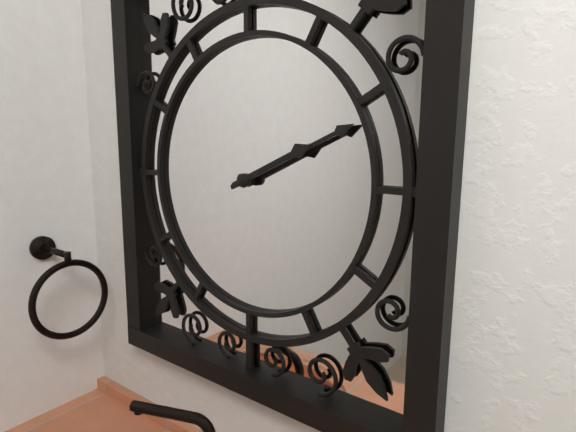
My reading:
{"hour": 2, "minute": 11}
